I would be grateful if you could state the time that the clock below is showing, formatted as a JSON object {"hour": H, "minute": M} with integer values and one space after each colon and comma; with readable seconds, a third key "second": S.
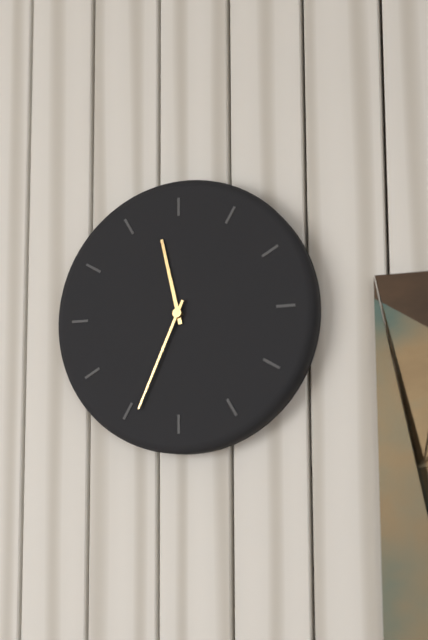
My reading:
{"hour": 11, "minute": 34}
